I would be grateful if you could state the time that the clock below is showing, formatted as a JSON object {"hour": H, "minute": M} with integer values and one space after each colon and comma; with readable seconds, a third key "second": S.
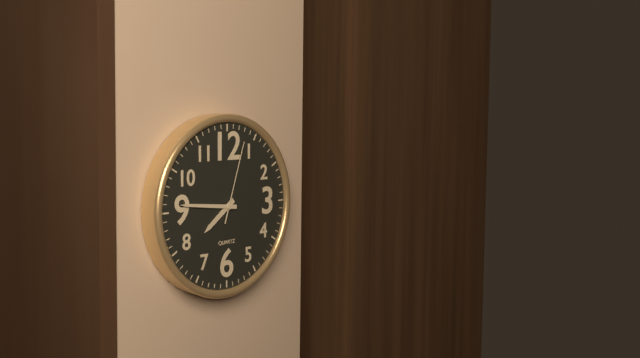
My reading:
{"hour": 7, "minute": 46, "second": 3}
